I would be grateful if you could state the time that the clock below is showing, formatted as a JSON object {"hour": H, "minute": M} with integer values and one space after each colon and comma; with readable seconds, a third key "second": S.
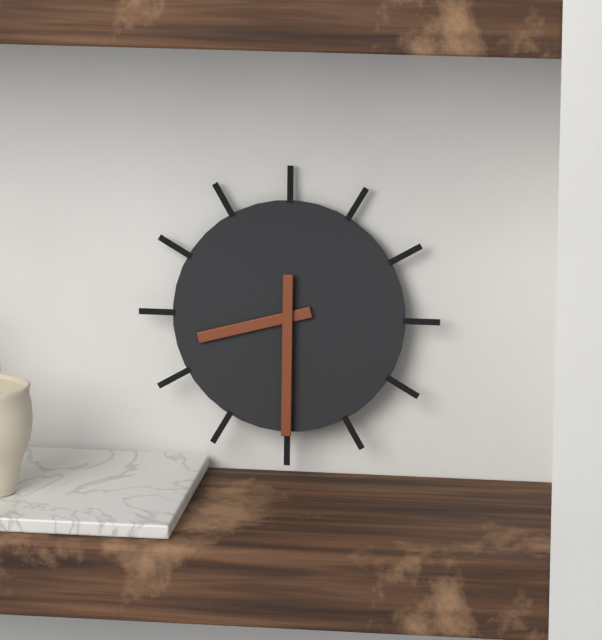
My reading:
{"hour": 8, "minute": 30}
